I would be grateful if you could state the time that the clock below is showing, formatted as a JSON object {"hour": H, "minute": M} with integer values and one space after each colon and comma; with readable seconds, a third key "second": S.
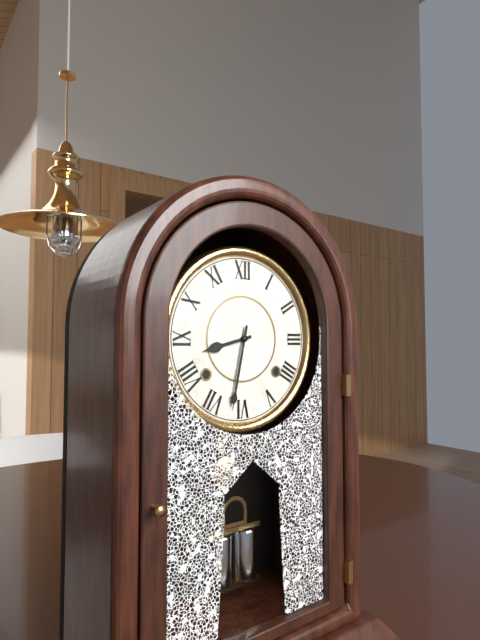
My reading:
{"hour": 8, "minute": 32}
